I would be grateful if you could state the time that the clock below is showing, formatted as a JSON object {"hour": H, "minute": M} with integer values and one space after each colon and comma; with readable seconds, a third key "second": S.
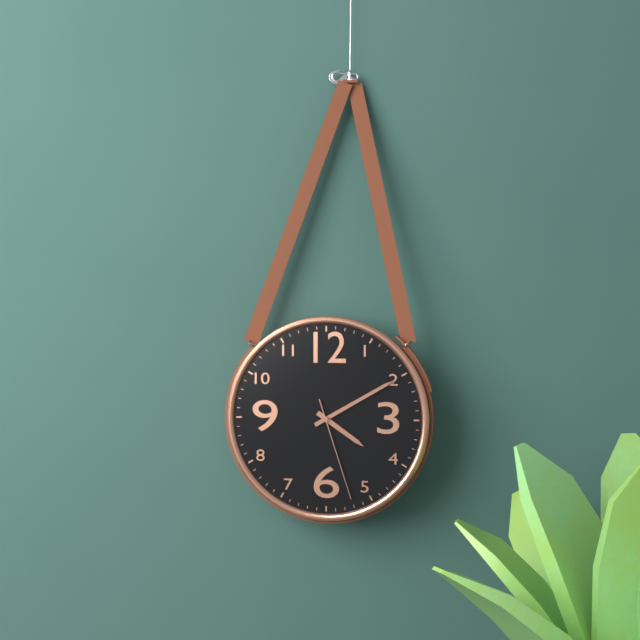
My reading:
{"hour": 4, "minute": 10, "second": 27}
